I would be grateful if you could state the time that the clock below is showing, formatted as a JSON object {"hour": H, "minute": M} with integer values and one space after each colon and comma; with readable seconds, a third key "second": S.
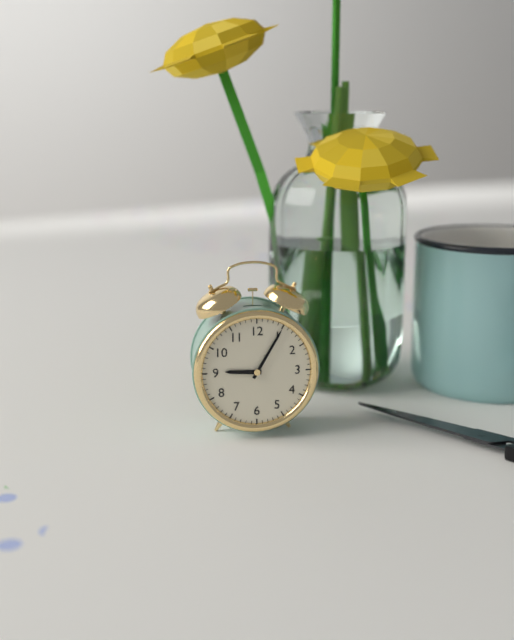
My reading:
{"hour": 9, "minute": 5}
